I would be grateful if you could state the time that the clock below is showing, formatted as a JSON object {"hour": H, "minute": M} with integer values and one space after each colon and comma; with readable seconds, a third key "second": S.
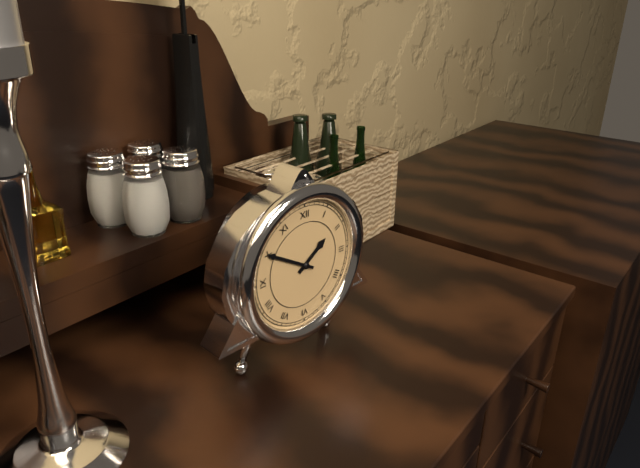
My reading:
{"hour": 1, "minute": 50}
